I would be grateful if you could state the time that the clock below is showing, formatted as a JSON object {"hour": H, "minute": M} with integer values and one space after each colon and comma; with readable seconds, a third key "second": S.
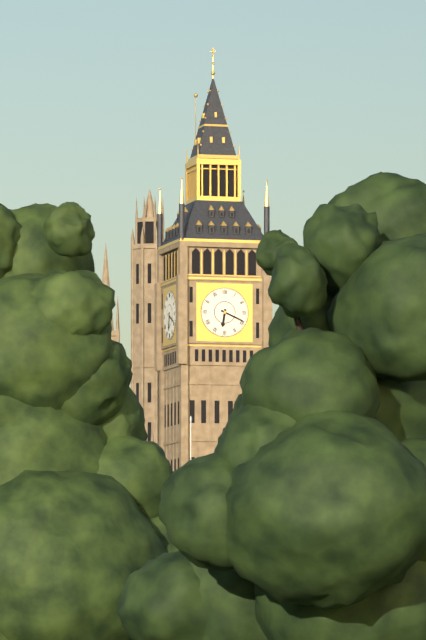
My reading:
{"hour": 6, "minute": 19}
